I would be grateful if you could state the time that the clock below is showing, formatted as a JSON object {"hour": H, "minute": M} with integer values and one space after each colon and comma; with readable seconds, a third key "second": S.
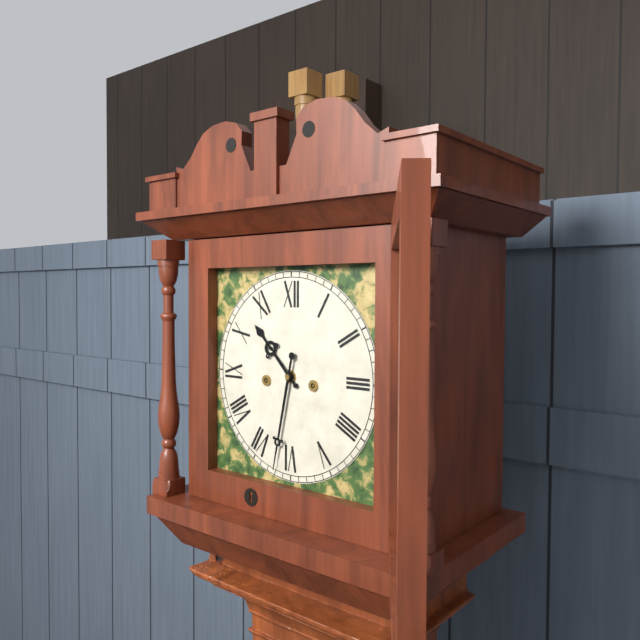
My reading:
{"hour": 10, "minute": 32}
